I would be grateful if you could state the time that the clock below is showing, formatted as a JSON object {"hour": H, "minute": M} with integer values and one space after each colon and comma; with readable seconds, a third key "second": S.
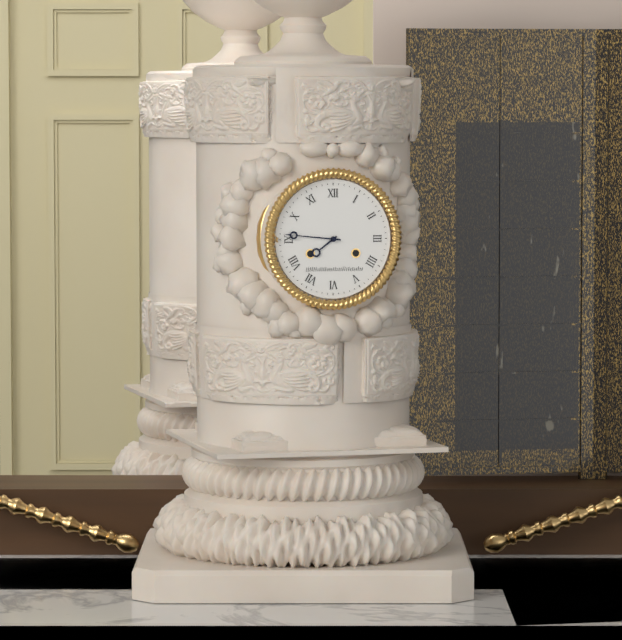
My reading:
{"hour": 7, "minute": 46}
